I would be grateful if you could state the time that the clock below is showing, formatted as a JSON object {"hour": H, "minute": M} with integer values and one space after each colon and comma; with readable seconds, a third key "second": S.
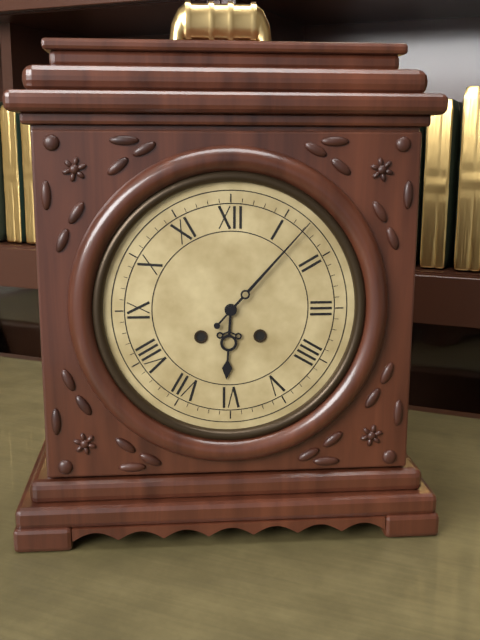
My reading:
{"hour": 6, "minute": 7}
